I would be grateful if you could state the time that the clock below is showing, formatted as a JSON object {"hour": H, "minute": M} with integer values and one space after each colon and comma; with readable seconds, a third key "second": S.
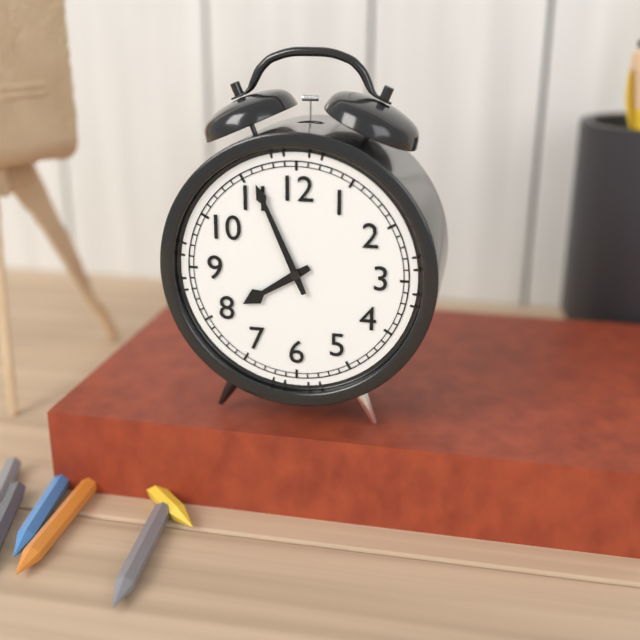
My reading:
{"hour": 7, "minute": 56}
